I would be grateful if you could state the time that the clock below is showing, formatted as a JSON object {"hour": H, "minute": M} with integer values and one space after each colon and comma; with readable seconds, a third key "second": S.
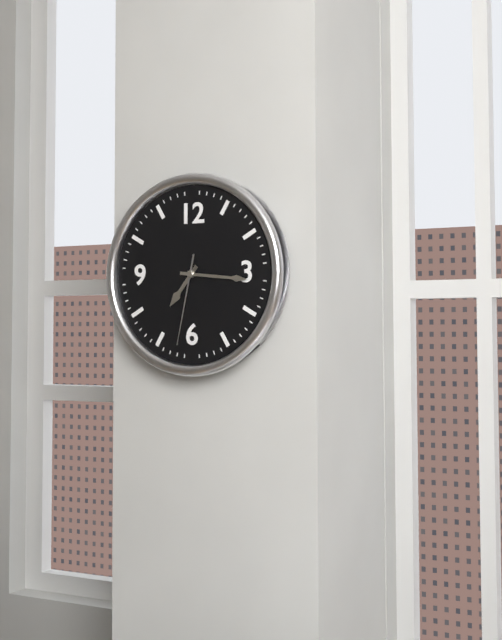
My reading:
{"hour": 7, "minute": 16, "second": 32}
